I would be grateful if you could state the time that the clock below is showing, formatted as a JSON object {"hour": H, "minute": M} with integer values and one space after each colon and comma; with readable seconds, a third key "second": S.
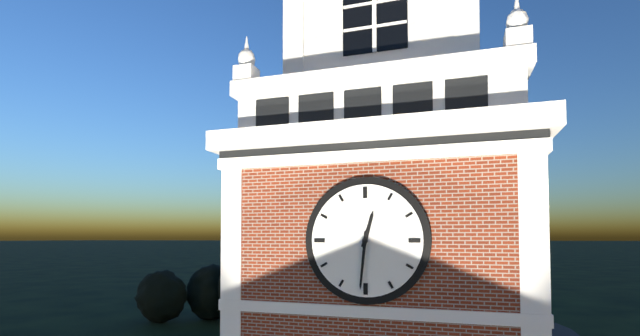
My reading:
{"hour": 12, "minute": 31}
